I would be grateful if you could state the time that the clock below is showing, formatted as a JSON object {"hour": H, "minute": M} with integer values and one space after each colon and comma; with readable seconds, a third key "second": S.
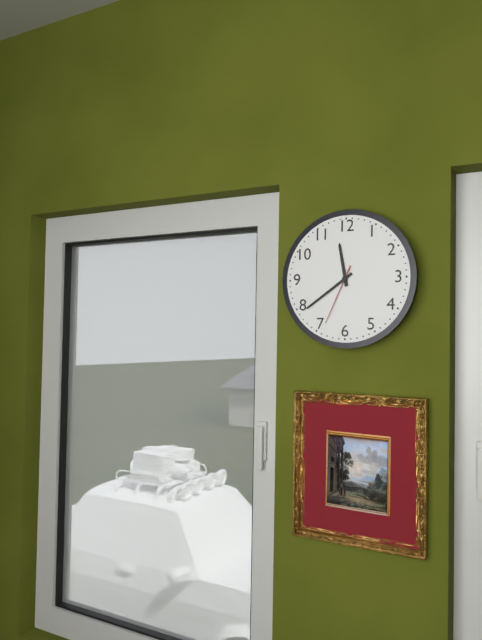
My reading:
{"hour": 11, "minute": 39, "second": 34}
